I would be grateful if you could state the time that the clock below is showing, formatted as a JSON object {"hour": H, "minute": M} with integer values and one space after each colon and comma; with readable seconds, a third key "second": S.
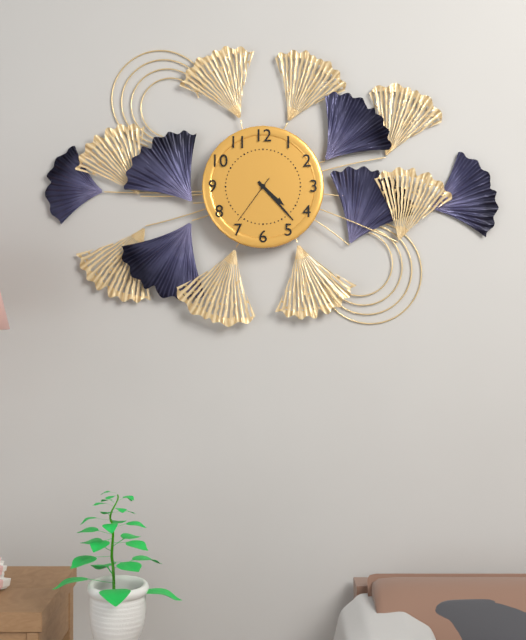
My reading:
{"hour": 4, "minute": 23, "second": 36}
